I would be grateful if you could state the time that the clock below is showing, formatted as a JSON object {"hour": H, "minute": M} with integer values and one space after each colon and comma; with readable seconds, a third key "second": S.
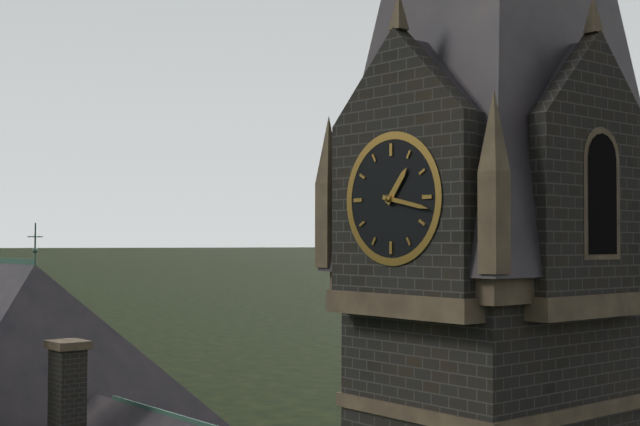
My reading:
{"hour": 1, "minute": 17}
